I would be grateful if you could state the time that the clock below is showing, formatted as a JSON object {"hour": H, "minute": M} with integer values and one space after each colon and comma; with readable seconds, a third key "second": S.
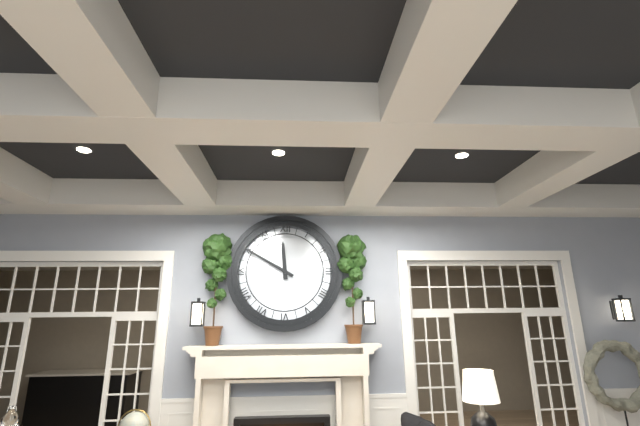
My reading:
{"hour": 11, "minute": 50}
